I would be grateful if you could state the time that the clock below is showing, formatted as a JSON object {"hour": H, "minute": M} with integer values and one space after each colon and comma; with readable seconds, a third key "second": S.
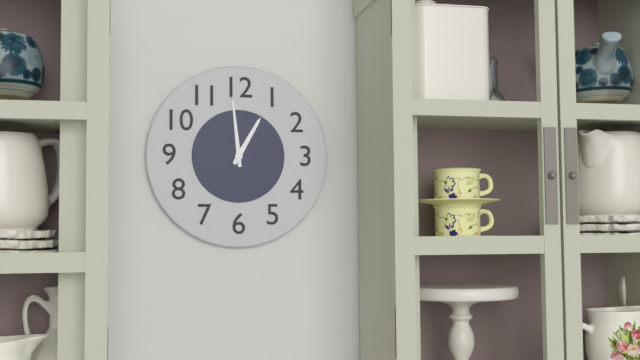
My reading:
{"hour": 12, "minute": 59}
